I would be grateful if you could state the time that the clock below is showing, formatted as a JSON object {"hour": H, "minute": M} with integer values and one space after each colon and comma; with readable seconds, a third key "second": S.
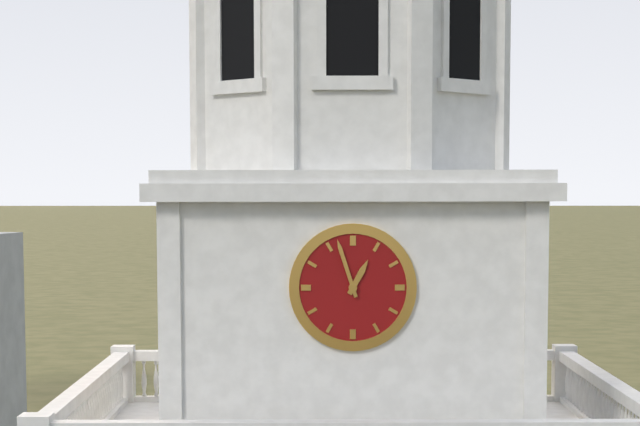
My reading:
{"hour": 12, "minute": 57}
